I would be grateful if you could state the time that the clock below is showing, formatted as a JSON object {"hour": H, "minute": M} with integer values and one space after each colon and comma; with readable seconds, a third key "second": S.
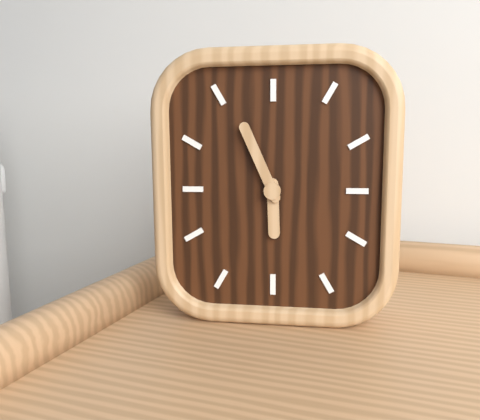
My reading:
{"hour": 5, "minute": 56}
